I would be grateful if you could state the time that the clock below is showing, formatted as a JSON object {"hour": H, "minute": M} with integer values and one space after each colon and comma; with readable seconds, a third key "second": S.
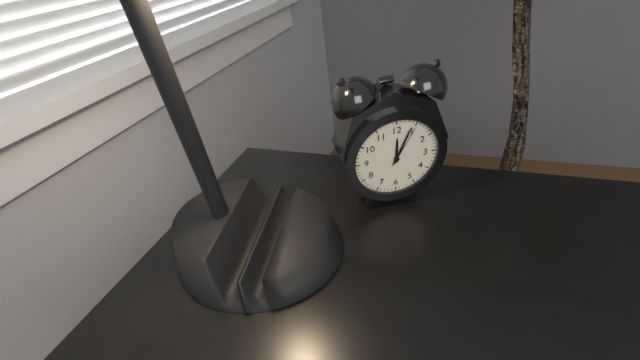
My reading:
{"hour": 12, "minute": 4}
